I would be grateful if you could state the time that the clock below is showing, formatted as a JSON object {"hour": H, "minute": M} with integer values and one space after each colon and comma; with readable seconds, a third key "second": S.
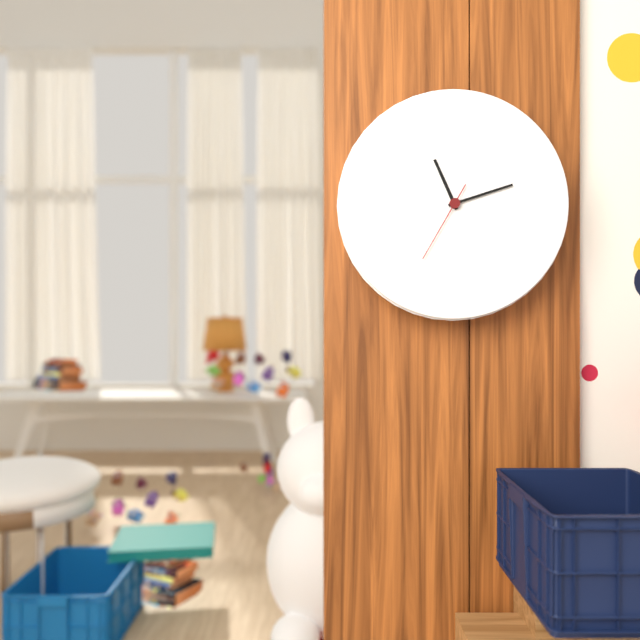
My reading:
{"hour": 11, "minute": 12, "second": 35}
